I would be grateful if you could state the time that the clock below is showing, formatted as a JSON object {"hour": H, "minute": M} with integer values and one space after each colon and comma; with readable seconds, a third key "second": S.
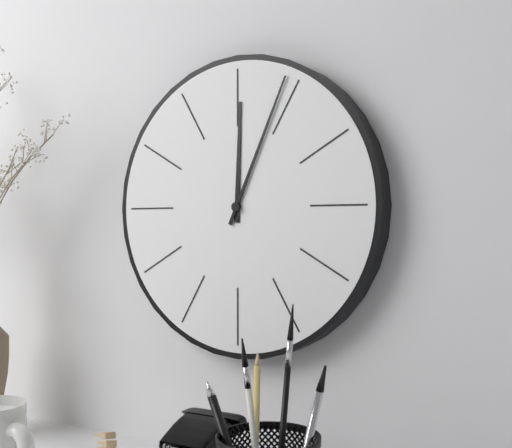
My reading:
{"hour": 12, "minute": 4}
